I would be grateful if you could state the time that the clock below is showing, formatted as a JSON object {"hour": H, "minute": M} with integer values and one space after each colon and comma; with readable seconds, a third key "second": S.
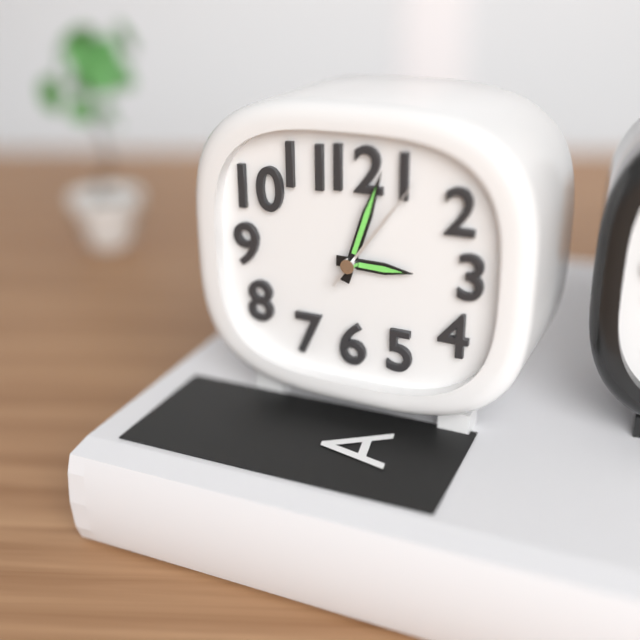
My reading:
{"hour": 3, "minute": 3, "second": 6}
